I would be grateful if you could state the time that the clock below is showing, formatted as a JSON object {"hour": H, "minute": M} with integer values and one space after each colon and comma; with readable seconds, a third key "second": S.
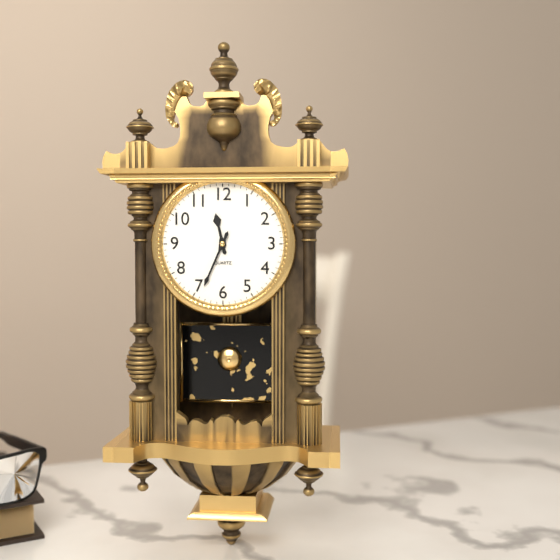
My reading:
{"hour": 11, "minute": 34}
